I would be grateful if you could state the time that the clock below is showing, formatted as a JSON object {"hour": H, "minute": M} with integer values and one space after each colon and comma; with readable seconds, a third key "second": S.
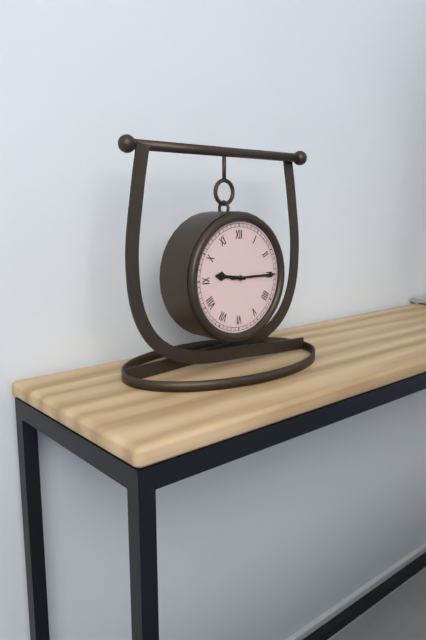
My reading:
{"hour": 9, "minute": 15}
